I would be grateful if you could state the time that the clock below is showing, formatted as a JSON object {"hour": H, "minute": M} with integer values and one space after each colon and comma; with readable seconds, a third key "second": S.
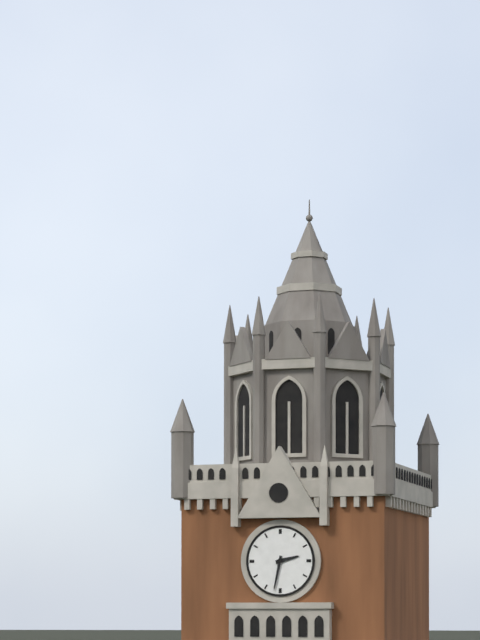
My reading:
{"hour": 2, "minute": 32}
